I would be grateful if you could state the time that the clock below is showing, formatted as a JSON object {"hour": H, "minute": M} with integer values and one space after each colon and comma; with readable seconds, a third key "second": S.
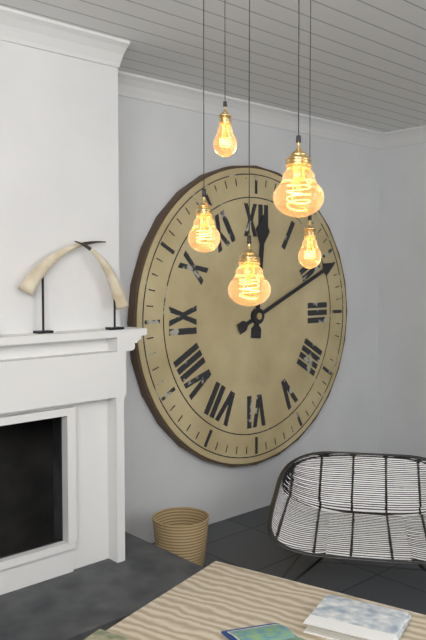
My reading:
{"hour": 12, "minute": 11}
